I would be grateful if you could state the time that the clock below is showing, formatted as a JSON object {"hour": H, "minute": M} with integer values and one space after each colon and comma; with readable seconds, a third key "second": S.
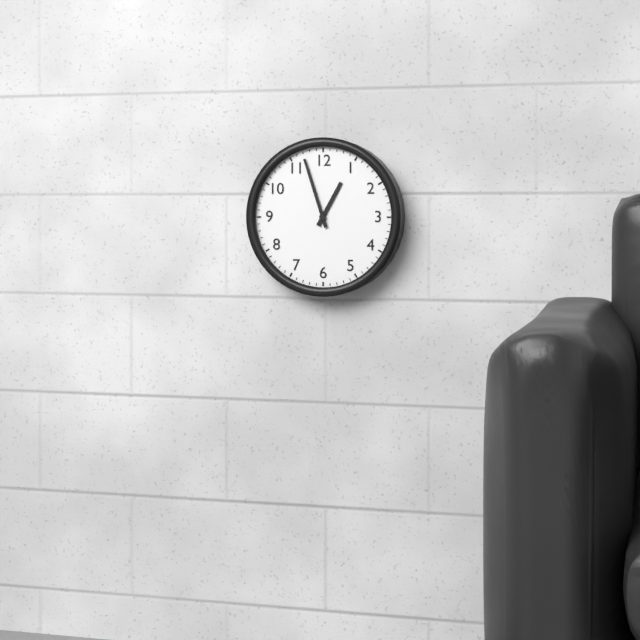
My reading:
{"hour": 12, "minute": 57}
